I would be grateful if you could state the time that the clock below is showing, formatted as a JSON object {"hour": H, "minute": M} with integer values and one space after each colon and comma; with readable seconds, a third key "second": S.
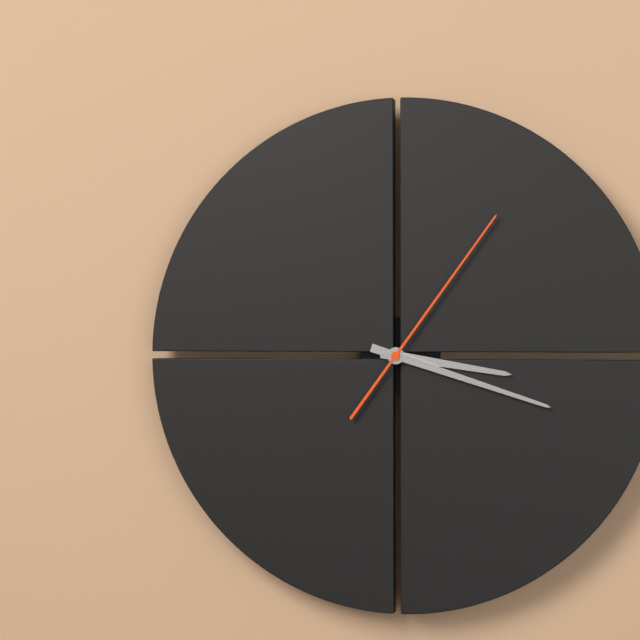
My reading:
{"hour": 3, "minute": 18, "second": 6}
